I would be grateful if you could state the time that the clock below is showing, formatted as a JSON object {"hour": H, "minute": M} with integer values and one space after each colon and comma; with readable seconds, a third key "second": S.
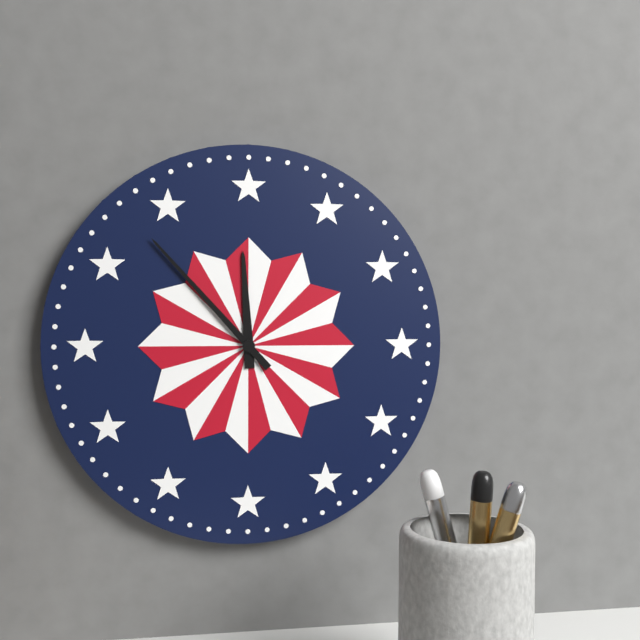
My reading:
{"hour": 11, "minute": 53}
